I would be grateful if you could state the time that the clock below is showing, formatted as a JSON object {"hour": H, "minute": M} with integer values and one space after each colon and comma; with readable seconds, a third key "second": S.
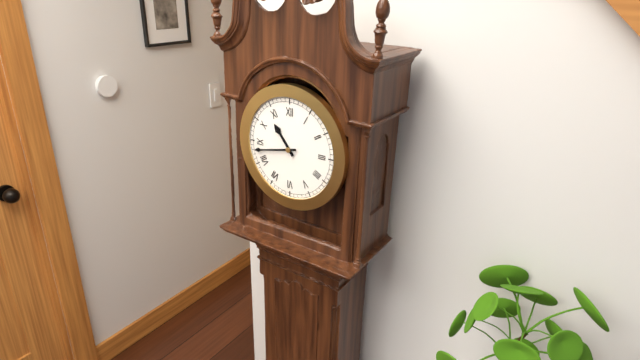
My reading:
{"hour": 10, "minute": 43}
